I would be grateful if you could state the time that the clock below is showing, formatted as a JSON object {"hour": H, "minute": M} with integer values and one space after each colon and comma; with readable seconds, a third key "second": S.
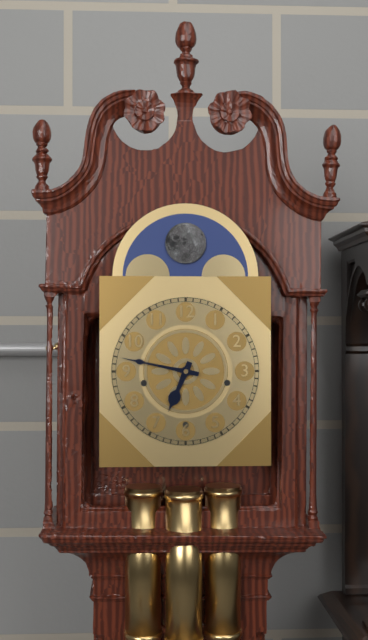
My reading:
{"hour": 6, "minute": 47}
